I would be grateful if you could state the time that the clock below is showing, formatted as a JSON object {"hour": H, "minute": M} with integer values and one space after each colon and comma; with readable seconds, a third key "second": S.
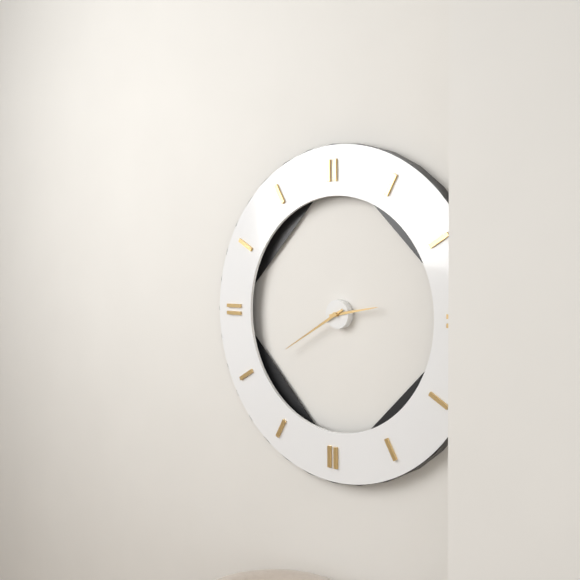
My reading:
{"hour": 2, "minute": 40}
